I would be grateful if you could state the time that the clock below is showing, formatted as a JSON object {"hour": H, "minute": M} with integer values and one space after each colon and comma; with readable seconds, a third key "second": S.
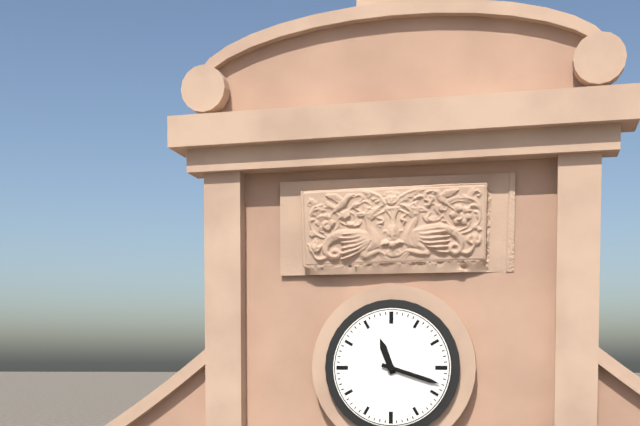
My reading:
{"hour": 11, "minute": 18}
